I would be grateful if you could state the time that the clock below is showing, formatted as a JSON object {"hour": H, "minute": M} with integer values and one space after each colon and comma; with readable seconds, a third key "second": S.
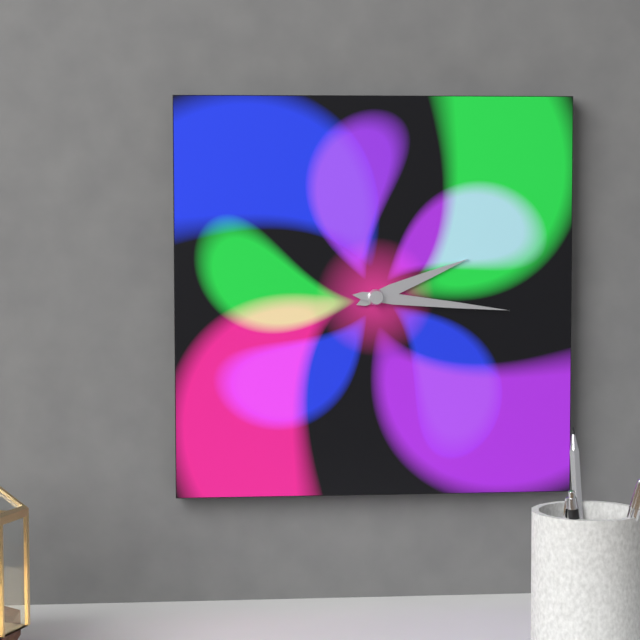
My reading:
{"hour": 2, "minute": 16}
